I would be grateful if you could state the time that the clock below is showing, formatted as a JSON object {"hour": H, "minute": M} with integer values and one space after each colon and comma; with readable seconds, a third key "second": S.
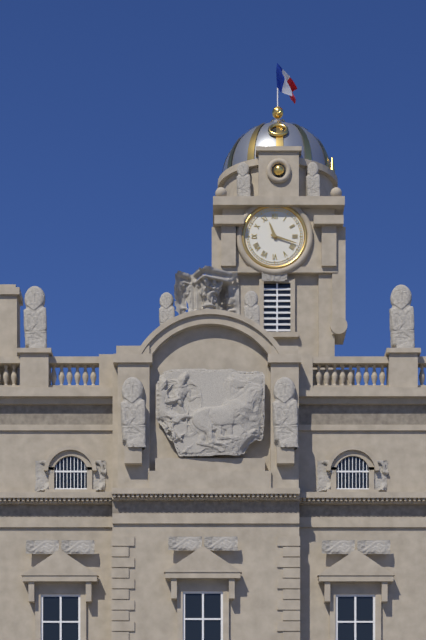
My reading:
{"hour": 11, "minute": 18}
